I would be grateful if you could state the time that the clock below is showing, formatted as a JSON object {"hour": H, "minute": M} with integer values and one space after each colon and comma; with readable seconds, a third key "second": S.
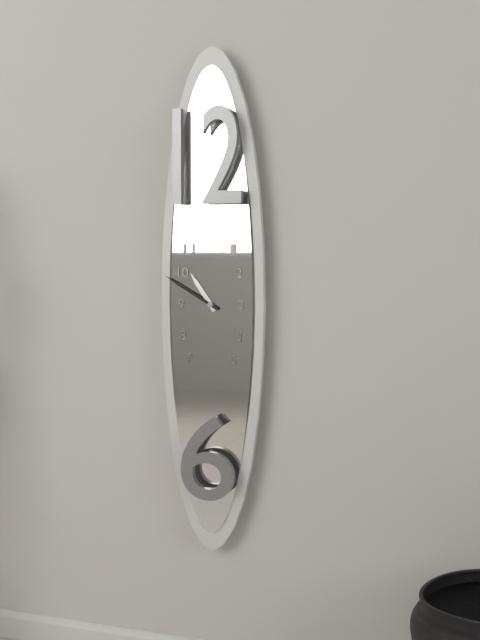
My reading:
{"hour": 10, "minute": 50}
